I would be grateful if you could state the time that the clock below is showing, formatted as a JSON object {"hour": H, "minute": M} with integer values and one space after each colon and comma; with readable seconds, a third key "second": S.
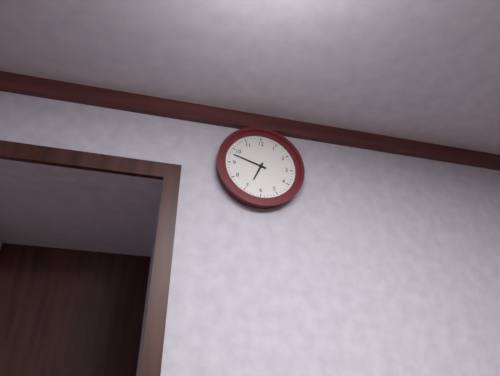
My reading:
{"hour": 6, "minute": 48}
